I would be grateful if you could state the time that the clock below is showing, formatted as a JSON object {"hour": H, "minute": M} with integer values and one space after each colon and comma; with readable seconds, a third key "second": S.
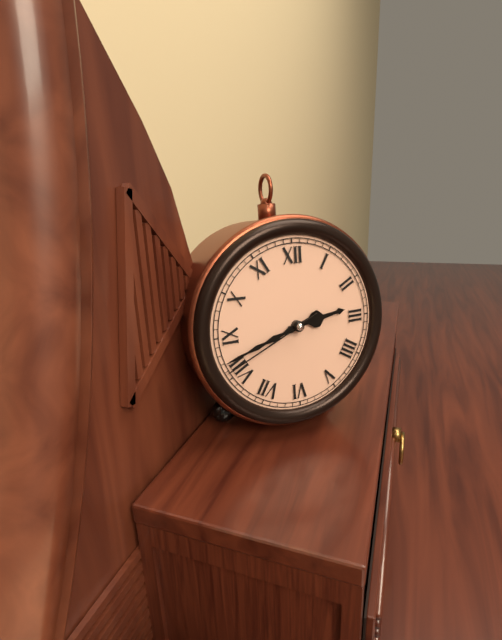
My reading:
{"hour": 2, "minute": 42, "second": 41}
